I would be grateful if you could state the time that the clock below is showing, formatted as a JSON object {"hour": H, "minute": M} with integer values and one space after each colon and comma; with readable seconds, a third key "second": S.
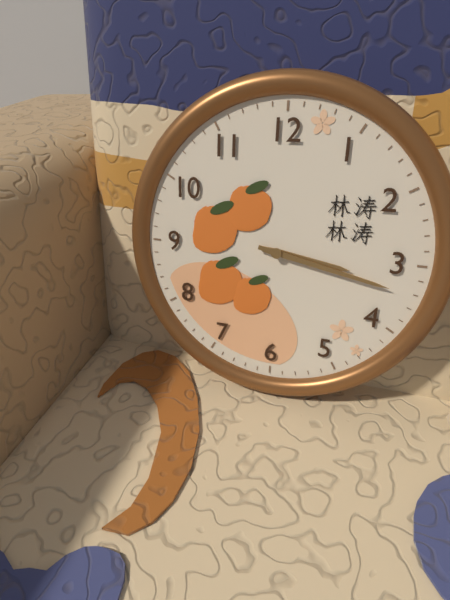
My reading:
{"hour": 3, "minute": 17}
